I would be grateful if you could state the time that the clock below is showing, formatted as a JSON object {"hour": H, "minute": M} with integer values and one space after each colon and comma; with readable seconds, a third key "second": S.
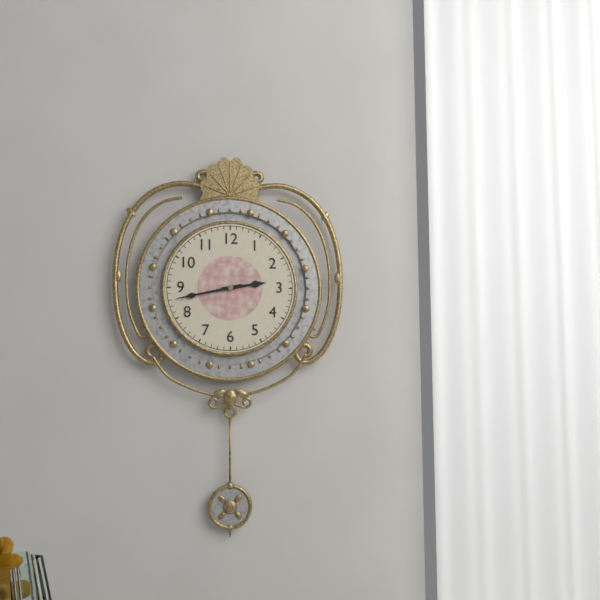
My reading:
{"hour": 2, "minute": 43}
